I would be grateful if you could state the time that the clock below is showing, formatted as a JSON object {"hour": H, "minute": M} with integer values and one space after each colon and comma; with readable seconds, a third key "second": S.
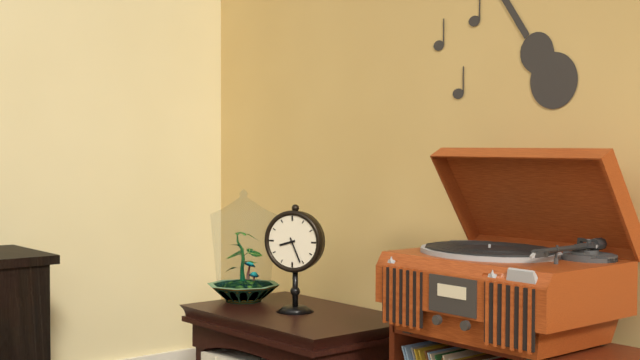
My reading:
{"hour": 8, "minute": 26}
